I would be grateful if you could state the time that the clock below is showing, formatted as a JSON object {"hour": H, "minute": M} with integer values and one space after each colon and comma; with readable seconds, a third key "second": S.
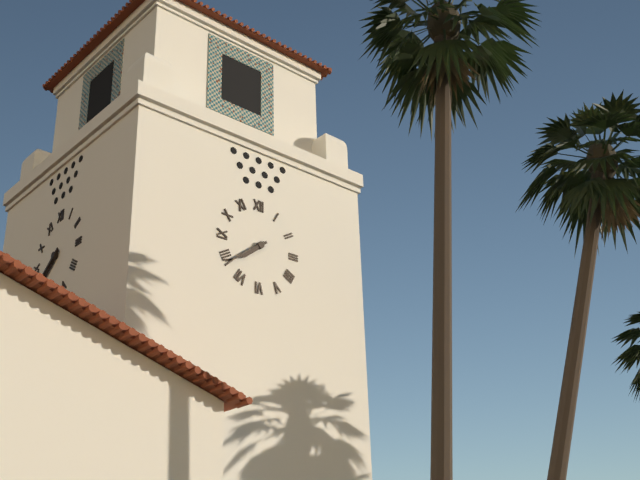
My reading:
{"hour": 7, "minute": 39}
